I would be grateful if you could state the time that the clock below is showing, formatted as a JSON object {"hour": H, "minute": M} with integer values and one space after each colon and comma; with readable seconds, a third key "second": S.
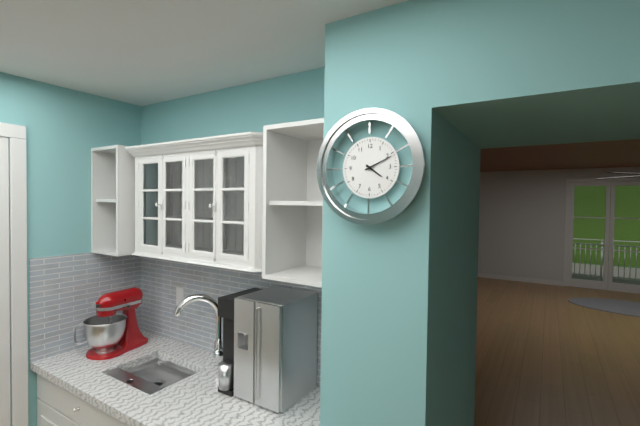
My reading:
{"hour": 4, "minute": 11}
